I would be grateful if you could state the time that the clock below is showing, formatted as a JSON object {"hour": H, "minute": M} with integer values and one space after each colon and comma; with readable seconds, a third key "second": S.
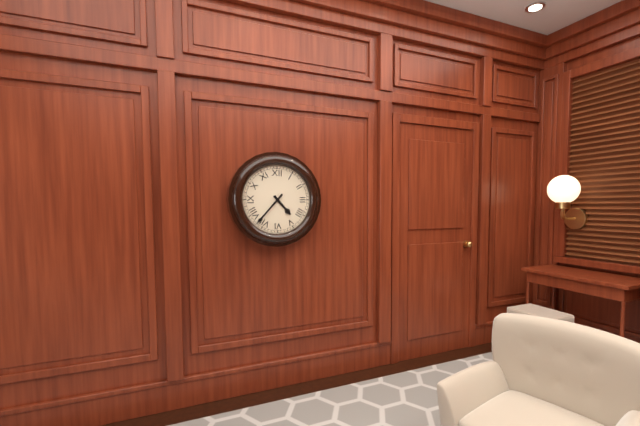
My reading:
{"hour": 4, "minute": 37}
